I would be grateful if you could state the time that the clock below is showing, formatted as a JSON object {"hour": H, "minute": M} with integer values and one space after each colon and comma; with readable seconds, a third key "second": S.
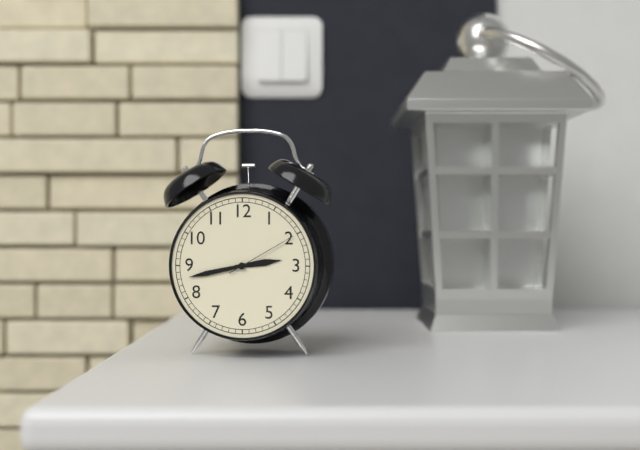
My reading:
{"hour": 2, "minute": 43, "second": 10}
